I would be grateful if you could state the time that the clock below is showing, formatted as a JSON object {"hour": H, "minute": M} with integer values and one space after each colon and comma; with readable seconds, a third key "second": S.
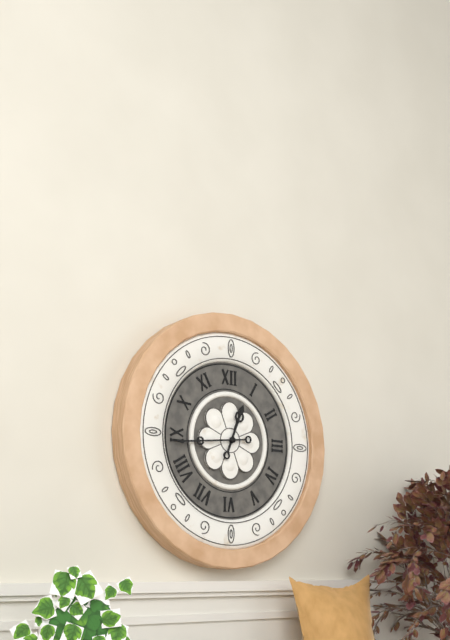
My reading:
{"hour": 12, "minute": 44}
